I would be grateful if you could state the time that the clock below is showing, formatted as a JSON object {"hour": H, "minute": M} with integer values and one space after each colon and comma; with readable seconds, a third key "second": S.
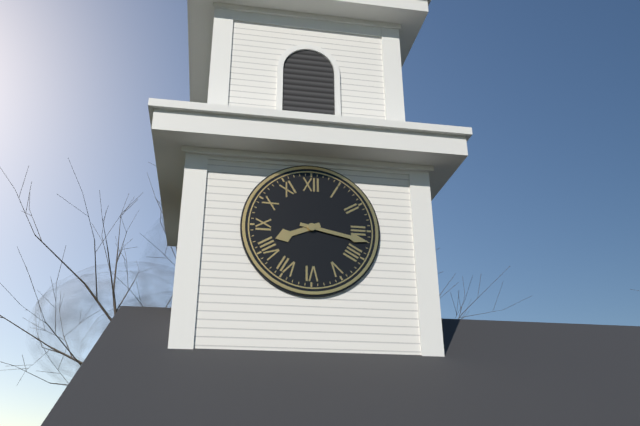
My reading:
{"hour": 8, "minute": 17}
